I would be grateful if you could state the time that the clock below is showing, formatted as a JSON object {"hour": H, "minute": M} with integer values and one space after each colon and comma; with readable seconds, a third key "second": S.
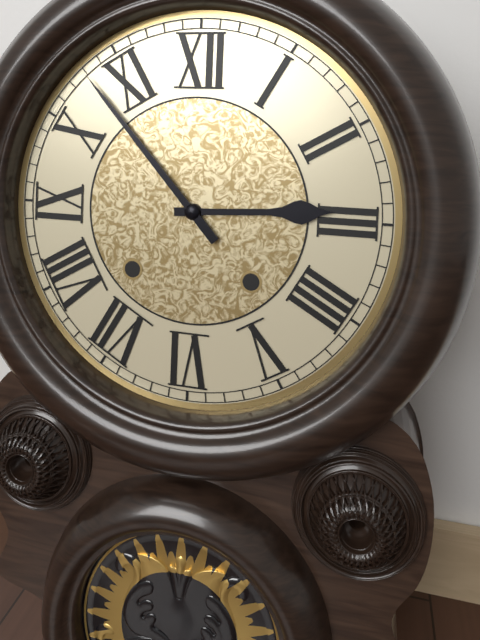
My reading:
{"hour": 2, "minute": 53}
